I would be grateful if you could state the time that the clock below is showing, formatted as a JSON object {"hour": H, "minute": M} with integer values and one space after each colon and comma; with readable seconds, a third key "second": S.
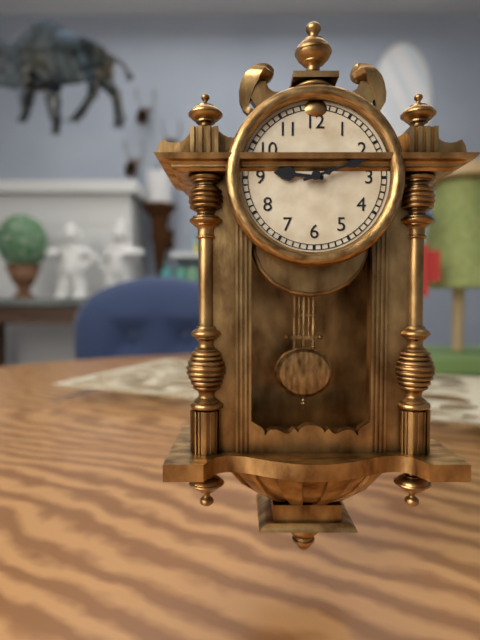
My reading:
{"hour": 9, "minute": 12}
